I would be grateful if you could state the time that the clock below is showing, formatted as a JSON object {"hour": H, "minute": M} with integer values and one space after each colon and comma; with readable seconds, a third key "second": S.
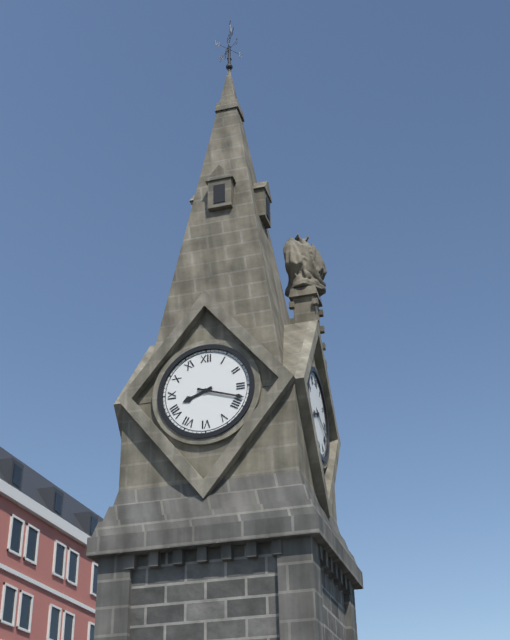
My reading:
{"hour": 8, "minute": 18}
